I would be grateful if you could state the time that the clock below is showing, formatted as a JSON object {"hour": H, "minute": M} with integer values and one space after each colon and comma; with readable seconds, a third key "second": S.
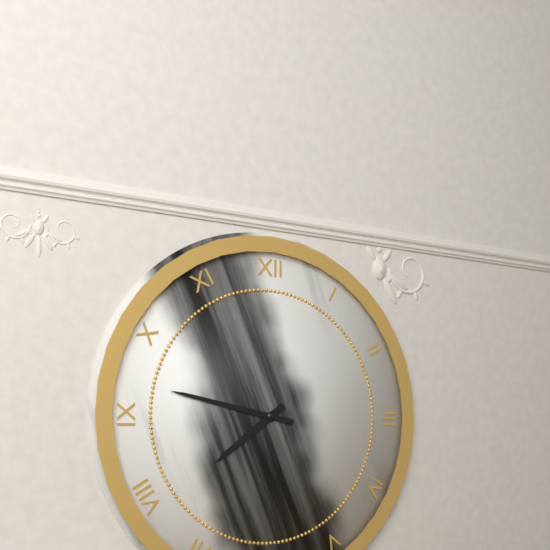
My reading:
{"hour": 7, "minute": 47}
